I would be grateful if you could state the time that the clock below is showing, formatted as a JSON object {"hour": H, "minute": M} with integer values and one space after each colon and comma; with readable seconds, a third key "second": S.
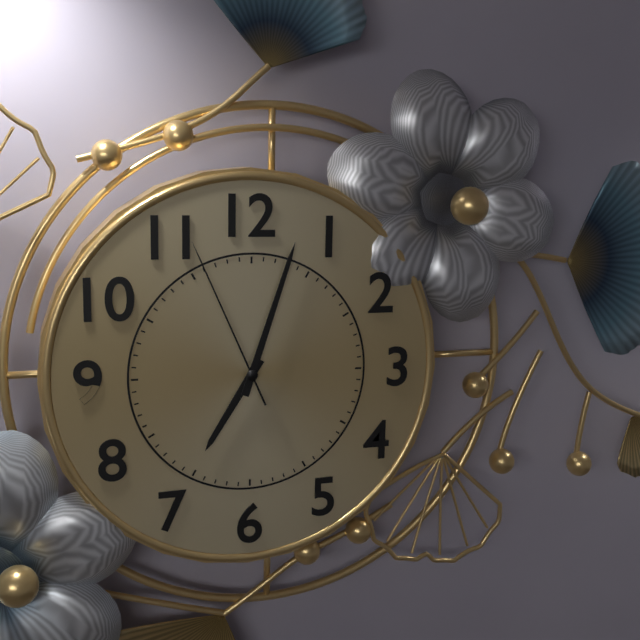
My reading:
{"hour": 7, "minute": 3, "second": 56}
